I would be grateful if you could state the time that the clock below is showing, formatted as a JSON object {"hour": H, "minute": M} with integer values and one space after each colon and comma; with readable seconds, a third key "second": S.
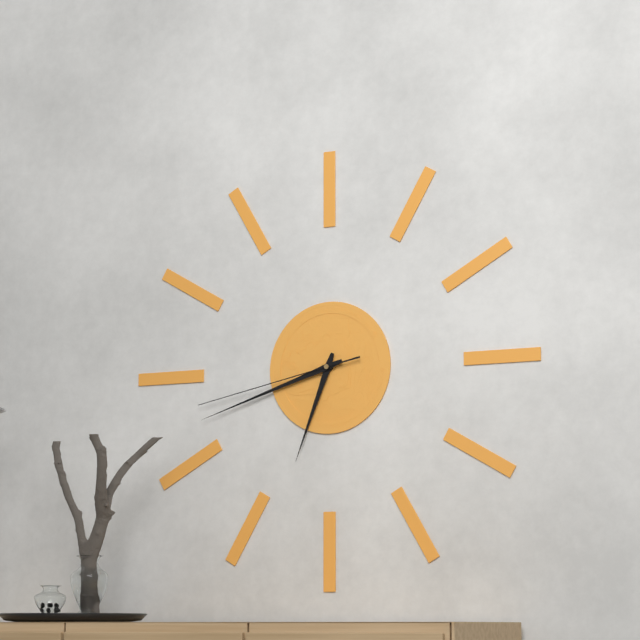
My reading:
{"hour": 6, "minute": 42, "second": 43}
